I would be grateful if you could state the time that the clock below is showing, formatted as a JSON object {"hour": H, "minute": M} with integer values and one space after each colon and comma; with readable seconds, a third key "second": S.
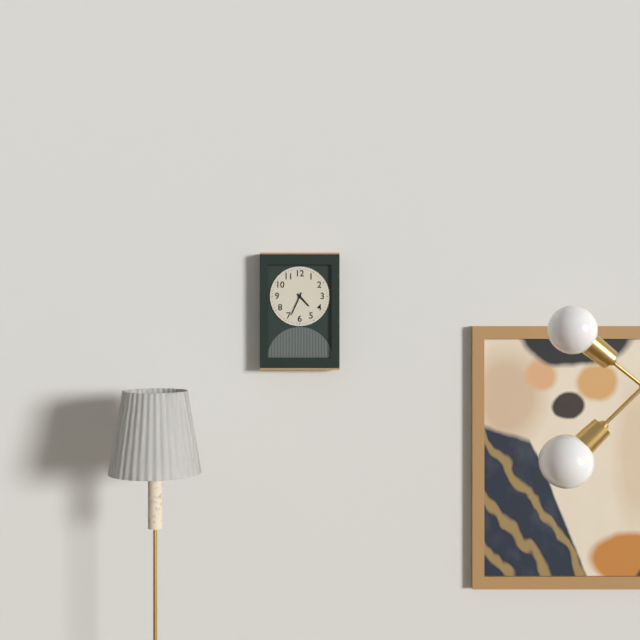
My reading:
{"hour": 4, "minute": 34}
